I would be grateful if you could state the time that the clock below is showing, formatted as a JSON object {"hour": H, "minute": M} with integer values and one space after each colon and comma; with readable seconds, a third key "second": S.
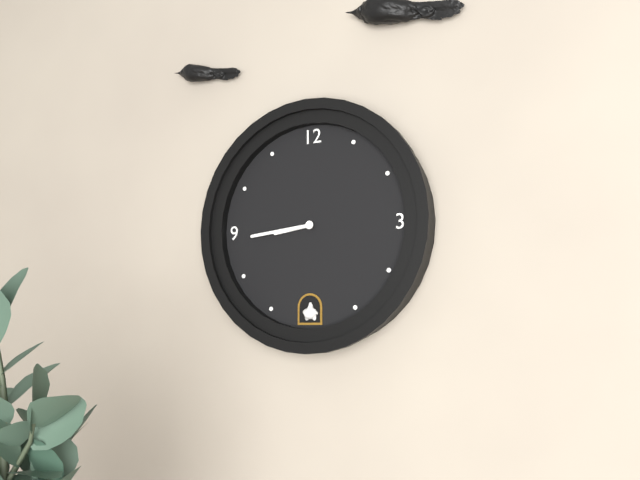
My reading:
{"hour": 8, "minute": 44}
